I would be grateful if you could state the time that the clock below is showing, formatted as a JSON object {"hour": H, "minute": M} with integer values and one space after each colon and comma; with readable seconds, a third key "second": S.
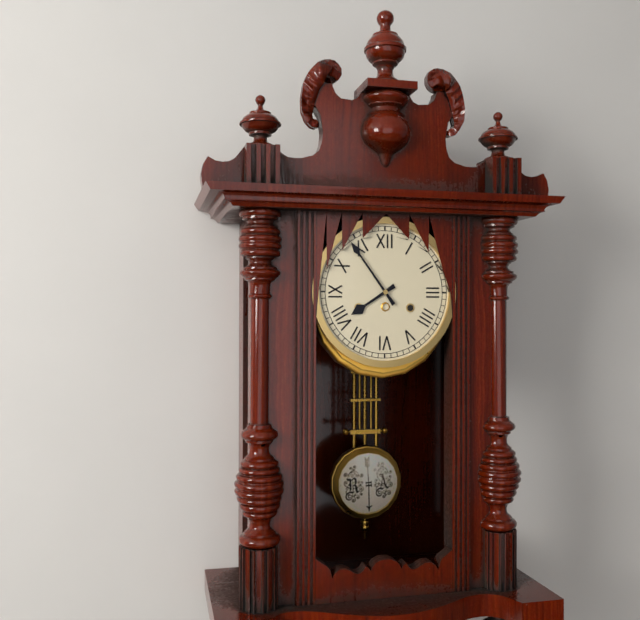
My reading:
{"hour": 7, "minute": 54}
